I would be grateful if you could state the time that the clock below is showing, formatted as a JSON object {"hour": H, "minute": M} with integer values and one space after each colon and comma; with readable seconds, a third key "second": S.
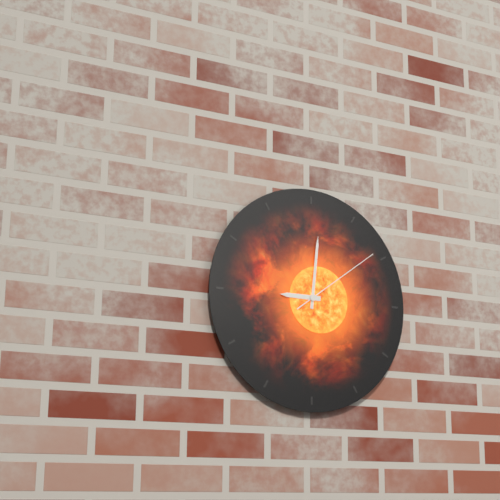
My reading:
{"hour": 9, "minute": 1, "second": 9}
